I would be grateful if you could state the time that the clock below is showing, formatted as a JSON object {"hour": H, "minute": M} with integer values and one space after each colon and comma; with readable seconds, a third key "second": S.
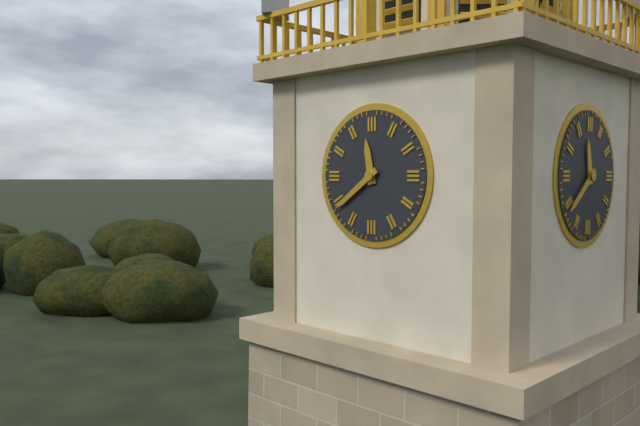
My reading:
{"hour": 11, "minute": 39}
